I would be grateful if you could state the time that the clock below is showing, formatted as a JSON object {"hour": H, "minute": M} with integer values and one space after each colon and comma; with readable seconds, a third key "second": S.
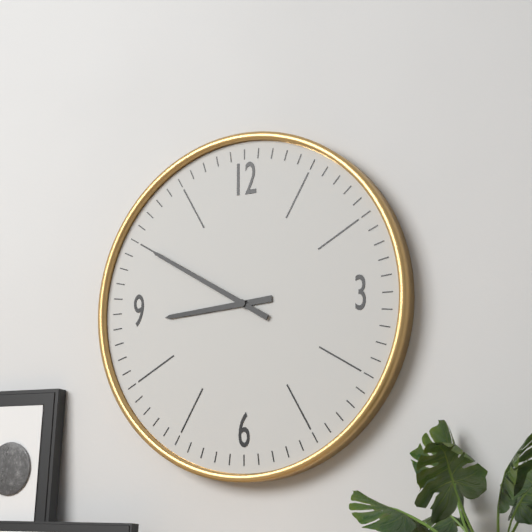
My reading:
{"hour": 8, "minute": 50}
